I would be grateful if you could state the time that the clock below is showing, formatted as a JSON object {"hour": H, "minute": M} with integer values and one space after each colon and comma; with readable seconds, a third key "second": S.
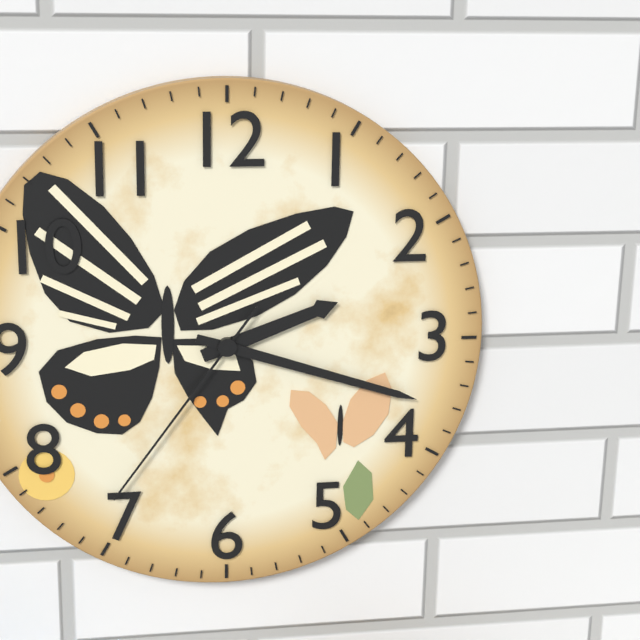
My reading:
{"hour": 2, "minute": 18, "second": 36}
